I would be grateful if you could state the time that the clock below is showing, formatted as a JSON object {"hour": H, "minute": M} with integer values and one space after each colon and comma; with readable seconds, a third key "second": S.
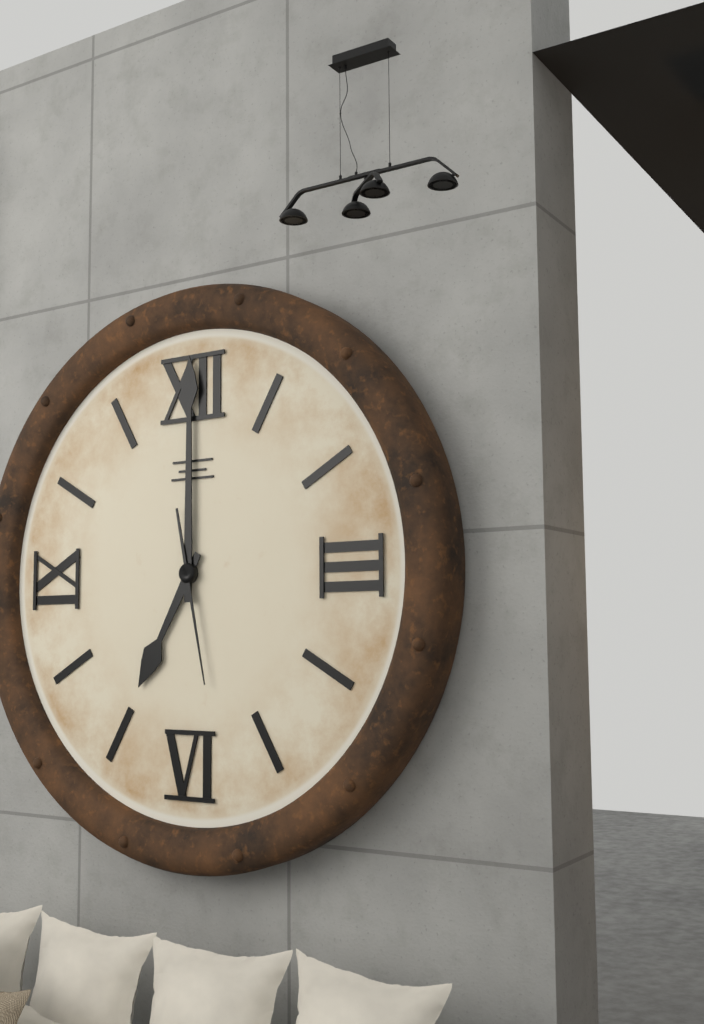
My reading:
{"hour": 7, "minute": 0, "second": 28}
